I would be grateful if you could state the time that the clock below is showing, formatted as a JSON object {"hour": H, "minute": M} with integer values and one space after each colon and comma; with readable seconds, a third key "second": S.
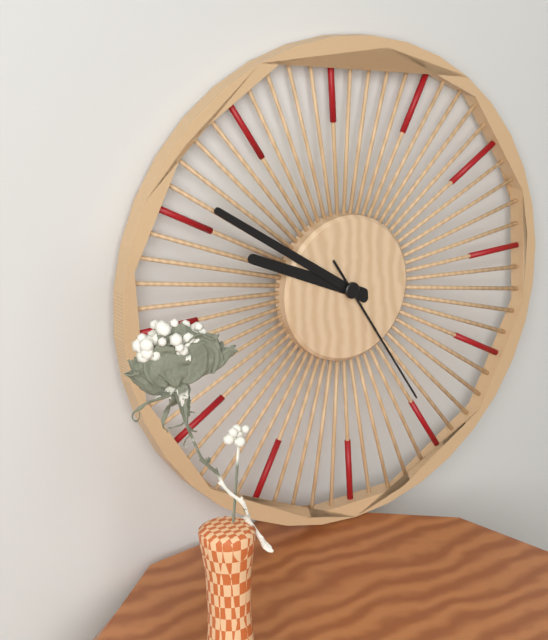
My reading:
{"hour": 9, "minute": 51, "second": 25}
